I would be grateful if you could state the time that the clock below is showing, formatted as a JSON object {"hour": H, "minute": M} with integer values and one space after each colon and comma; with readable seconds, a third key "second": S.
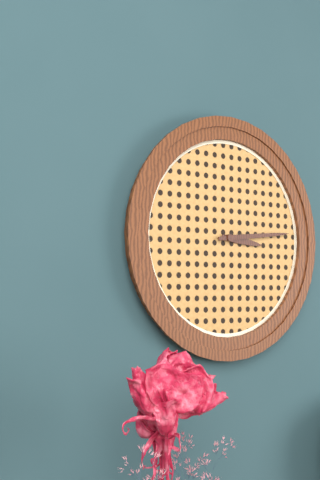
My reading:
{"hour": 3, "minute": 14}
